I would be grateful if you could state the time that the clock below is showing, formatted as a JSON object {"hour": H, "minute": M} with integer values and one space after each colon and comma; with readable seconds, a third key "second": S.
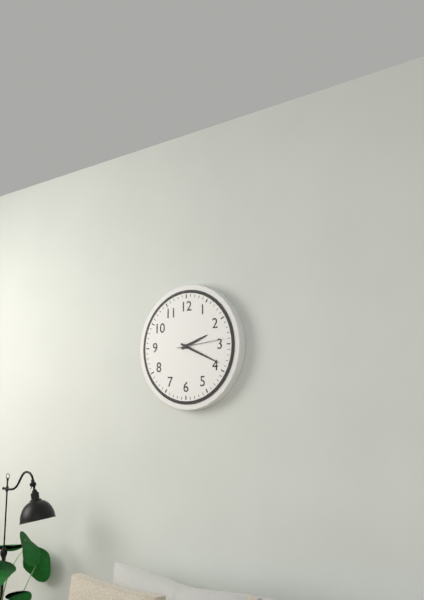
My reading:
{"hour": 2, "minute": 19, "second": 14}
